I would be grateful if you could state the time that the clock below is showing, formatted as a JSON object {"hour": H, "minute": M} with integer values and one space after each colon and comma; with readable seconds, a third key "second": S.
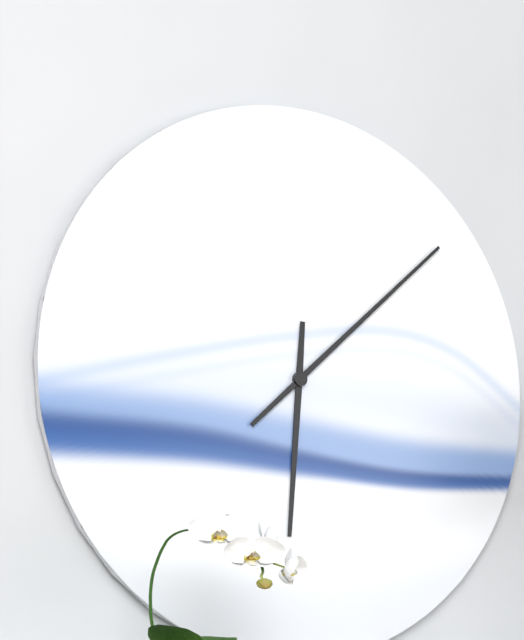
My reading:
{"hour": 6, "minute": 8}
